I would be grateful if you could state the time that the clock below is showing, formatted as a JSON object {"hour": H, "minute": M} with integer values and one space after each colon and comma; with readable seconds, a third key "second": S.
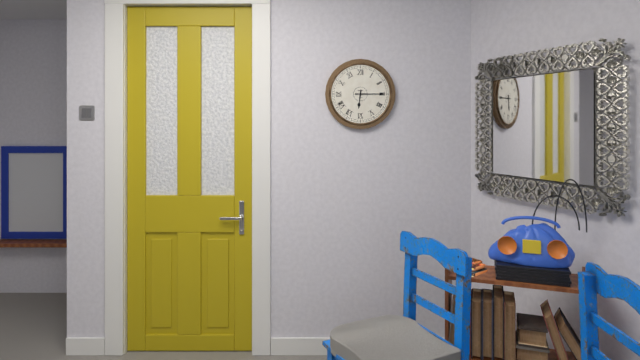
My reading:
{"hour": 6, "minute": 15}
